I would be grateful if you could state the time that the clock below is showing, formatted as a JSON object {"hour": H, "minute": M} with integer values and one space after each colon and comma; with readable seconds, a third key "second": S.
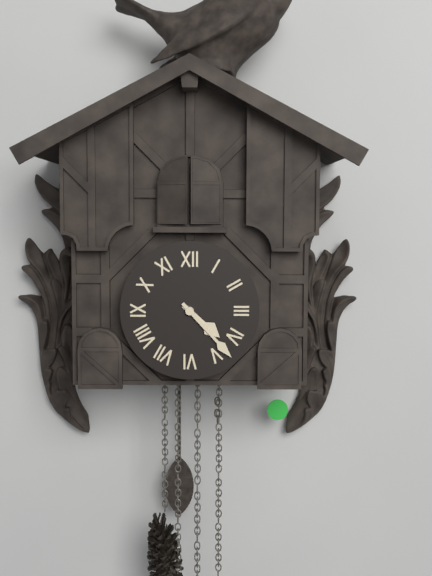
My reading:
{"hour": 4, "minute": 23}
